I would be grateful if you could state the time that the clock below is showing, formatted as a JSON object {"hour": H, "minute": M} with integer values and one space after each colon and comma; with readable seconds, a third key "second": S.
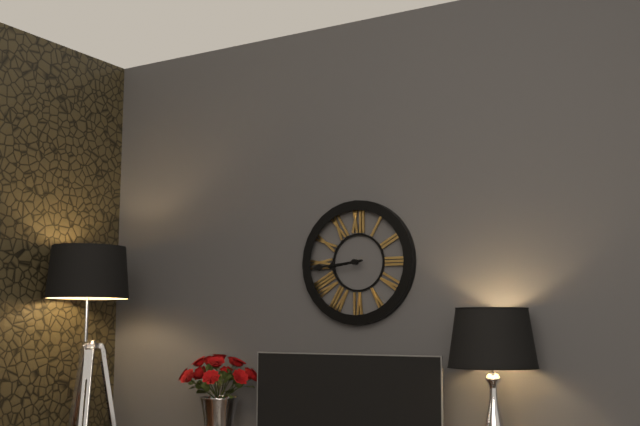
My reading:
{"hour": 8, "minute": 44}
